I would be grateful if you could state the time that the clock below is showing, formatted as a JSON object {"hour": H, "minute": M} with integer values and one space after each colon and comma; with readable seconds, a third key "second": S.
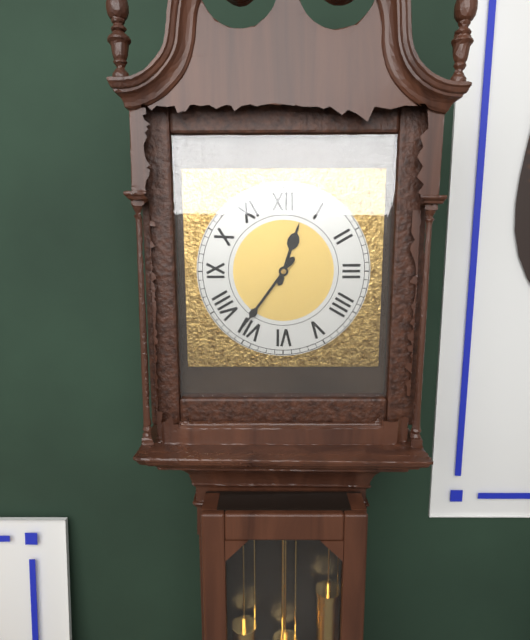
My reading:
{"hour": 12, "minute": 36}
